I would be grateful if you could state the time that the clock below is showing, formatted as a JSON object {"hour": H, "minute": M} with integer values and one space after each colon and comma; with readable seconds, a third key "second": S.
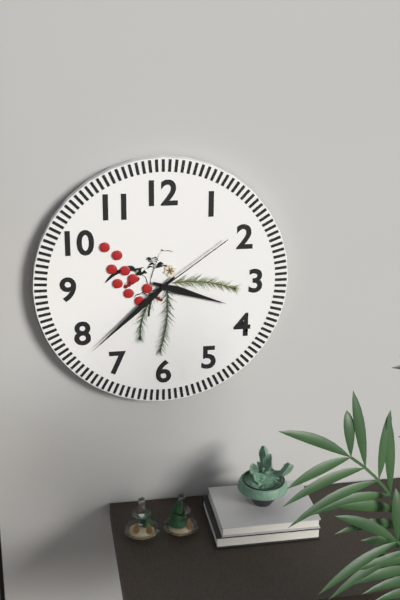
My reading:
{"hour": 3, "minute": 38, "second": 9}
